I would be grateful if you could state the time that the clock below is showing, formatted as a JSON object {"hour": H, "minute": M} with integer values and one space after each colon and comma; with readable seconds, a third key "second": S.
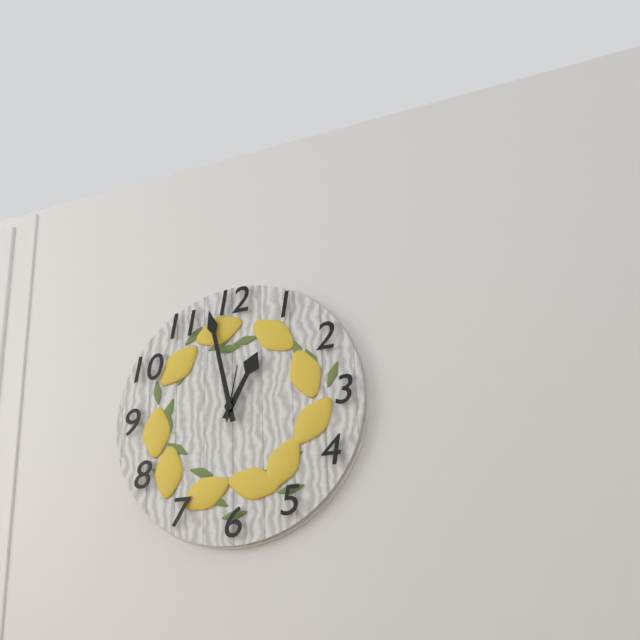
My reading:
{"hour": 12, "minute": 58, "second": 2}
